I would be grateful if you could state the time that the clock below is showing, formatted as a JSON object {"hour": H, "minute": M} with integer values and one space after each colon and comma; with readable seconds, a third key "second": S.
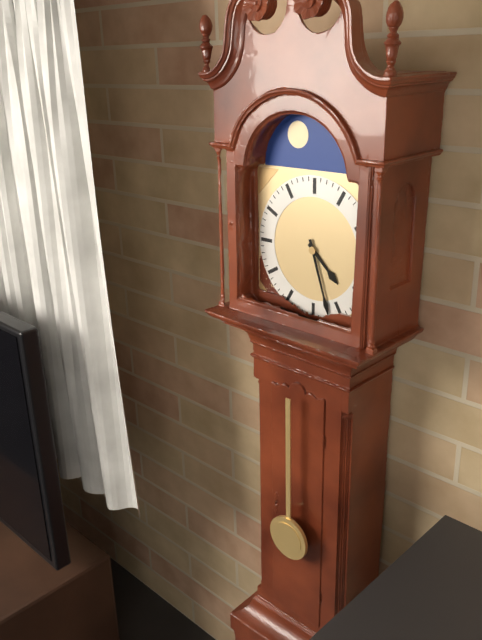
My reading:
{"hour": 4, "minute": 27}
